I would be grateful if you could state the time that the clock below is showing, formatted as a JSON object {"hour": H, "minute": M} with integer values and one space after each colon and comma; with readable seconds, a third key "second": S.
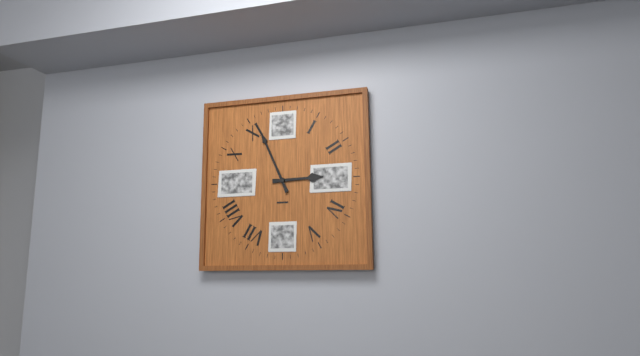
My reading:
{"hour": 2, "minute": 56}
